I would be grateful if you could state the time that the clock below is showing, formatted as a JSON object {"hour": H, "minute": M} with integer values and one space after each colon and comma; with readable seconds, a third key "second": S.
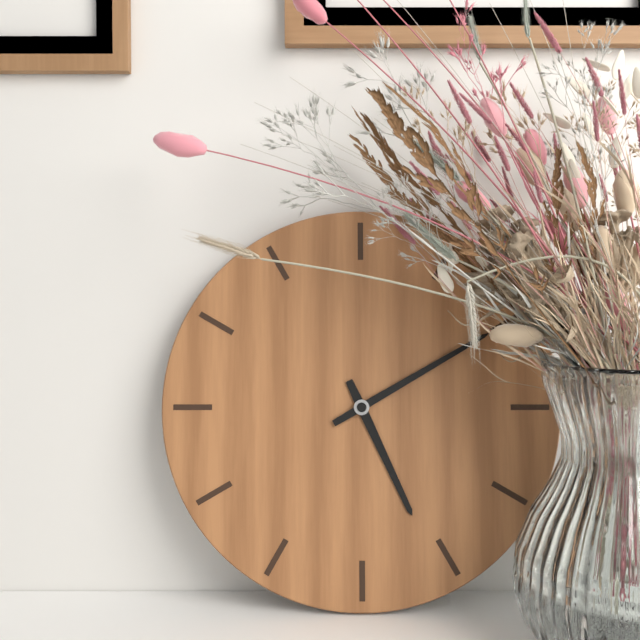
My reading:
{"hour": 5, "minute": 10}
